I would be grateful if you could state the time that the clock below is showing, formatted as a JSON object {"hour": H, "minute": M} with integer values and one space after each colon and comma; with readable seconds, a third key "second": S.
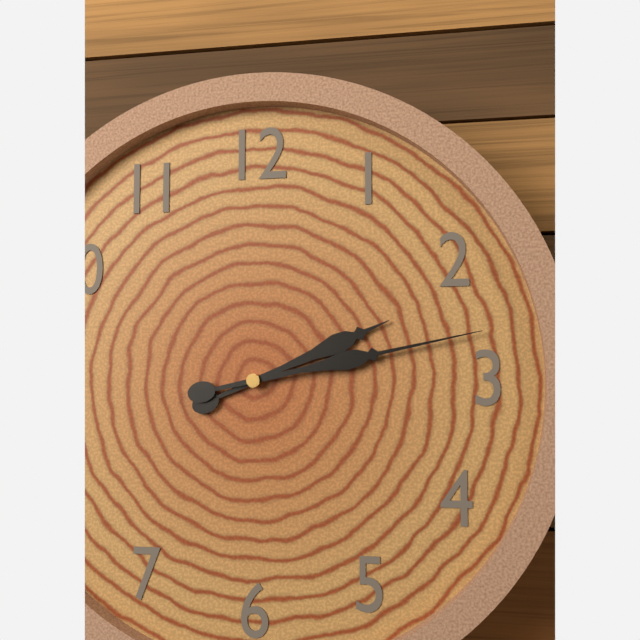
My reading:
{"hour": 2, "minute": 13}
